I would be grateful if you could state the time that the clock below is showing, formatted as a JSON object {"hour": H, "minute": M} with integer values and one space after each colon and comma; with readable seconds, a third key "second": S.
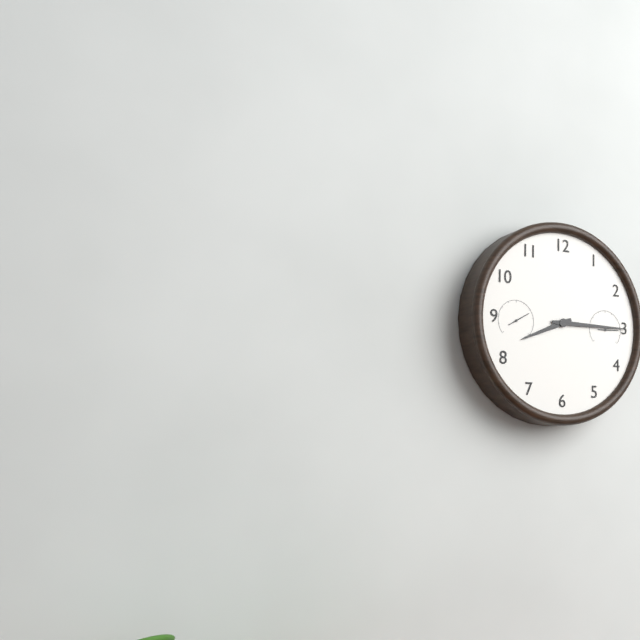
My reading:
{"hour": 8, "minute": 15}
